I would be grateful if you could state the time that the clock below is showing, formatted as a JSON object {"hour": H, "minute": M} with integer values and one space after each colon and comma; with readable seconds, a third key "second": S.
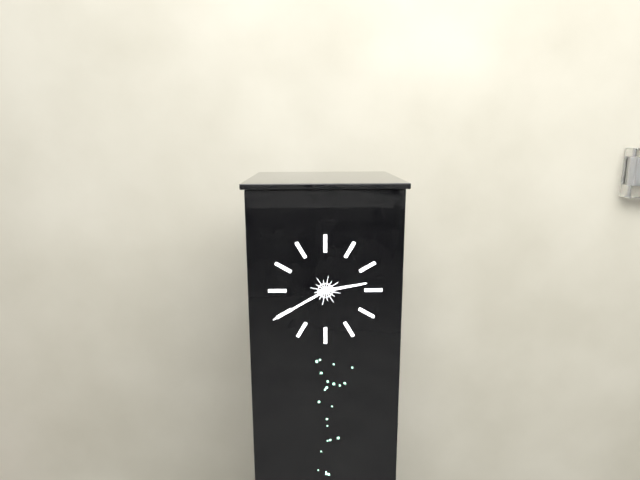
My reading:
{"hour": 2, "minute": 40}
